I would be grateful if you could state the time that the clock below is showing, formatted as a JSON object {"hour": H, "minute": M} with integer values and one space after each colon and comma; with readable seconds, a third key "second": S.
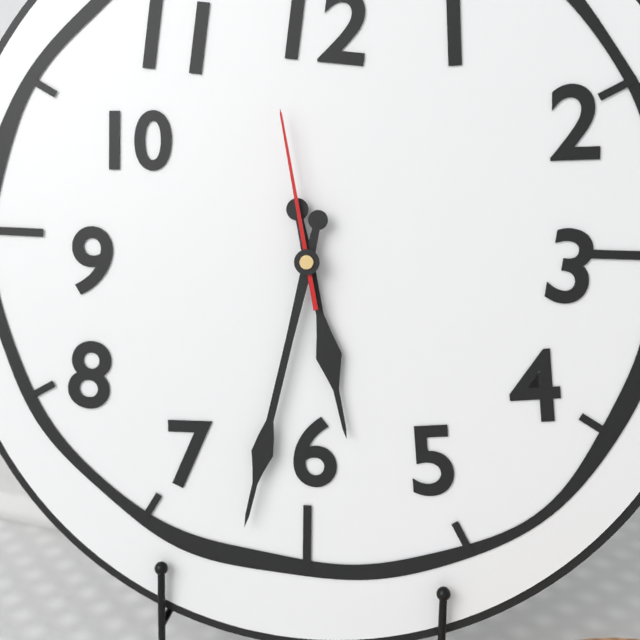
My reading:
{"hour": 5, "minute": 32, "second": 58}
